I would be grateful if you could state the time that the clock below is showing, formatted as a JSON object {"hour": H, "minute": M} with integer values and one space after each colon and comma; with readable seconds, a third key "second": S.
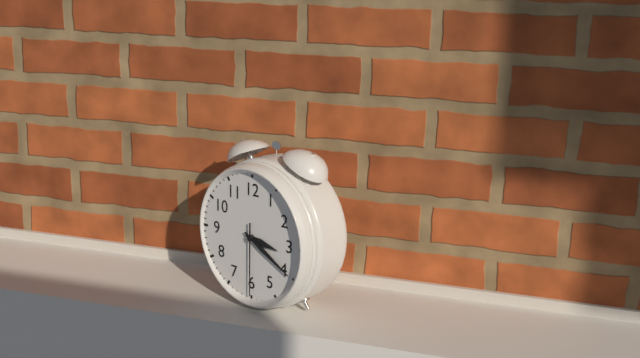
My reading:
{"hour": 3, "minute": 20, "second": 30}
